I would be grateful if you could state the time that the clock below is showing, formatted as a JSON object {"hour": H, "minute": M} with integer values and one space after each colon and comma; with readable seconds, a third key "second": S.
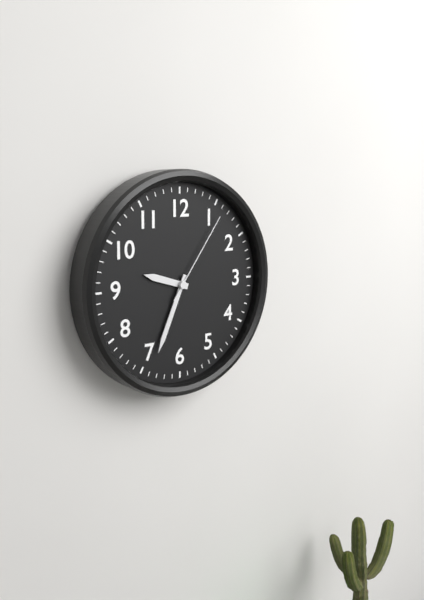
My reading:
{"hour": 9, "minute": 34, "second": 6}
